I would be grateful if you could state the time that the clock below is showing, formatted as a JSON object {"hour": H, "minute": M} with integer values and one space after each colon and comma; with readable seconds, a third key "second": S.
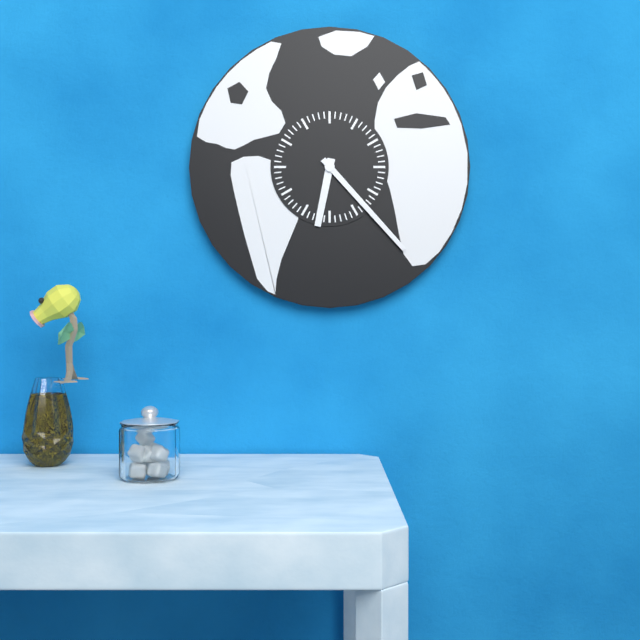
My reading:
{"hour": 6, "minute": 23}
